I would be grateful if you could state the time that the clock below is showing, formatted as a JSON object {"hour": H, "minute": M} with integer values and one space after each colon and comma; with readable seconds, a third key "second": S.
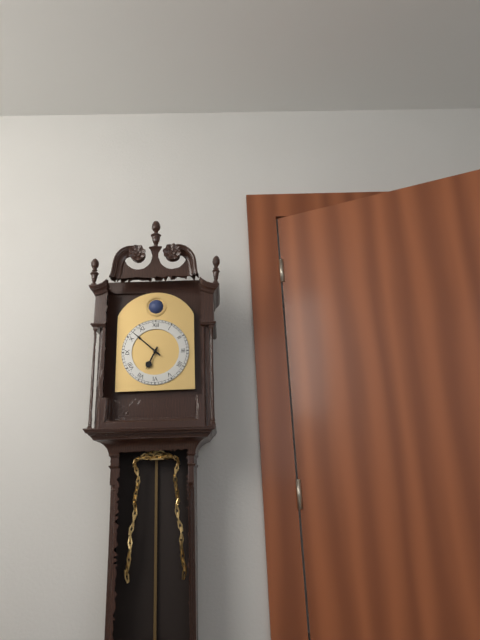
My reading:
{"hour": 6, "minute": 52}
